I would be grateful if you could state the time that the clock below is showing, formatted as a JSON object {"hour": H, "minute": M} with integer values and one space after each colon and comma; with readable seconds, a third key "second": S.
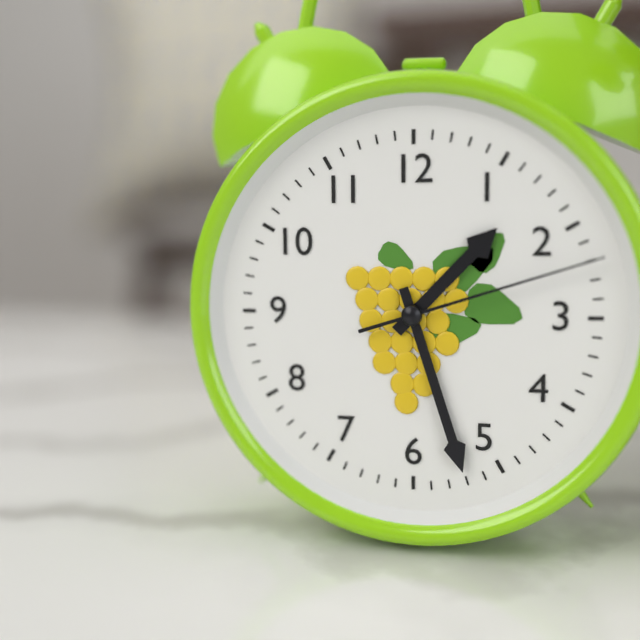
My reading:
{"hour": 1, "minute": 27, "second": 12}
